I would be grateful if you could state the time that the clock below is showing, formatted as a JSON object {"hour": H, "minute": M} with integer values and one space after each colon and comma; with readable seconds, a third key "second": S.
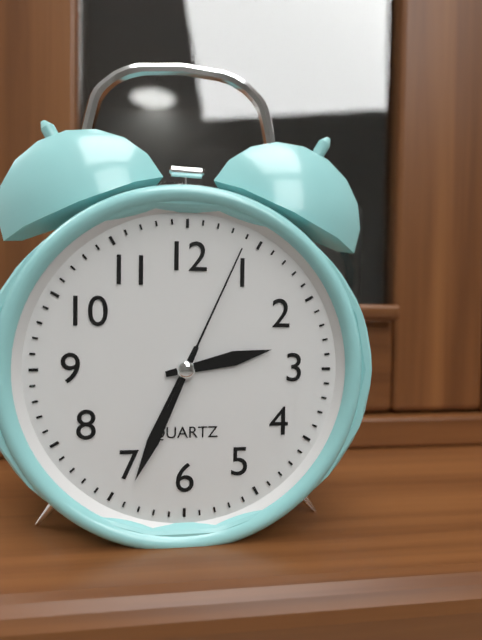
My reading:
{"hour": 2, "minute": 34, "second": 4}
